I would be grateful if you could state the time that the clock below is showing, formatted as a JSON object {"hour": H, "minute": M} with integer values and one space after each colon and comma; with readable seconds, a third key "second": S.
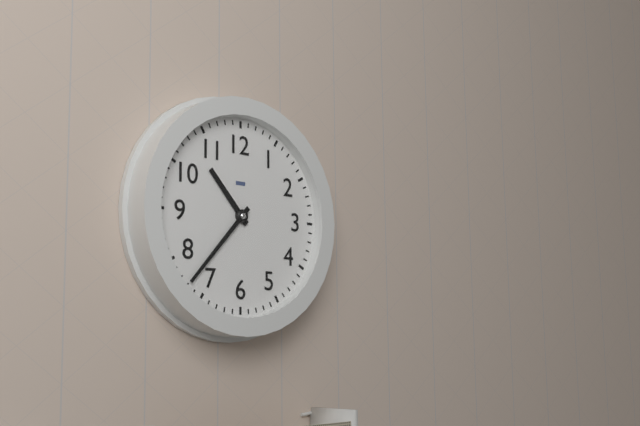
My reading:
{"hour": 10, "minute": 37}
